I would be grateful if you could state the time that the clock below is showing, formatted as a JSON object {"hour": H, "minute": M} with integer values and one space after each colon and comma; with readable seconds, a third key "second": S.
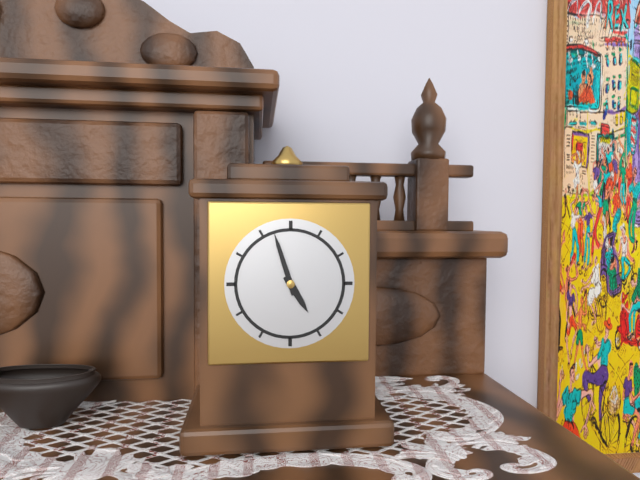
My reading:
{"hour": 4, "minute": 57}
